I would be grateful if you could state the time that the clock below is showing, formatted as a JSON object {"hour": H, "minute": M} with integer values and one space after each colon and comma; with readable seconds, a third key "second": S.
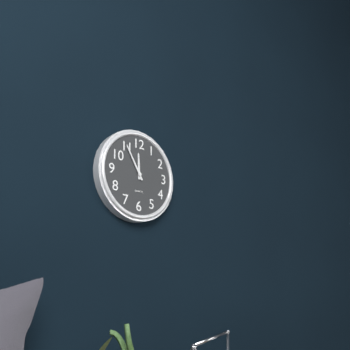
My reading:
{"hour": 11, "minute": 55}
